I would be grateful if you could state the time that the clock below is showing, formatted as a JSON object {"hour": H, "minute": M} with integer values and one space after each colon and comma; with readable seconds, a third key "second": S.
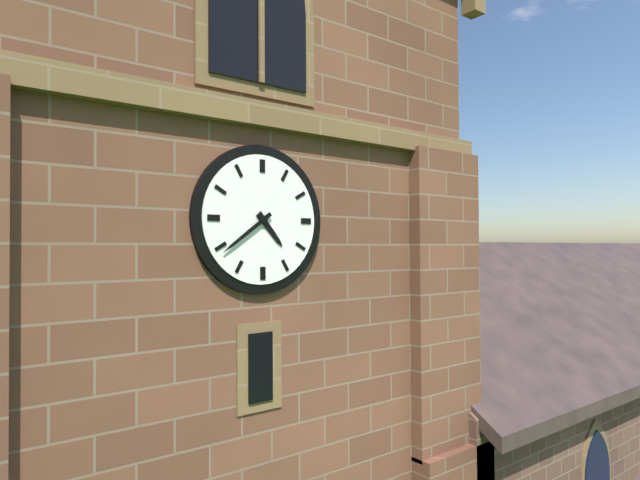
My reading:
{"hour": 4, "minute": 39}
